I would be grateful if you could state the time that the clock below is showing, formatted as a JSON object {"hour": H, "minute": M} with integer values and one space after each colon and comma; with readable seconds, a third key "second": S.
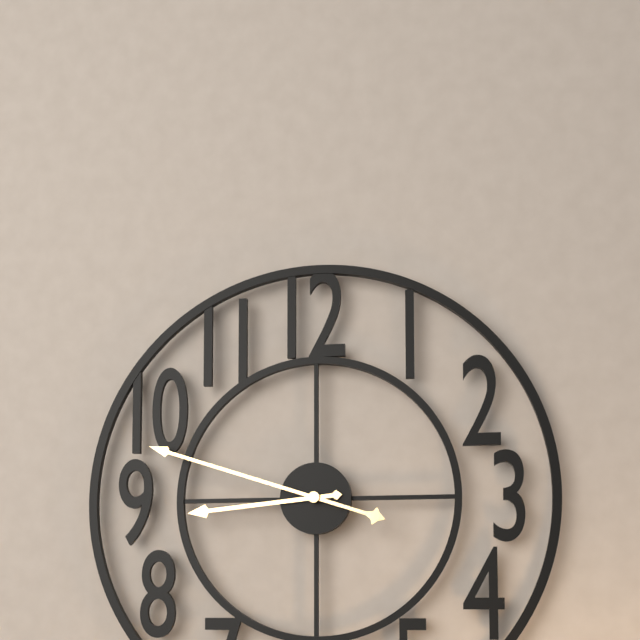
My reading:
{"hour": 8, "minute": 48}
